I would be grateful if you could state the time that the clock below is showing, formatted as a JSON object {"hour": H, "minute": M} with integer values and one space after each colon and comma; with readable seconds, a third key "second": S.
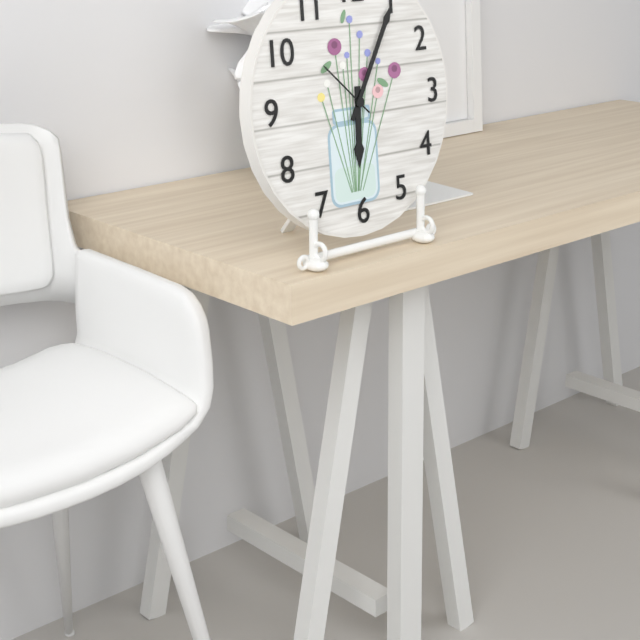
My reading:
{"hour": 6, "minute": 5, "second": 52}
